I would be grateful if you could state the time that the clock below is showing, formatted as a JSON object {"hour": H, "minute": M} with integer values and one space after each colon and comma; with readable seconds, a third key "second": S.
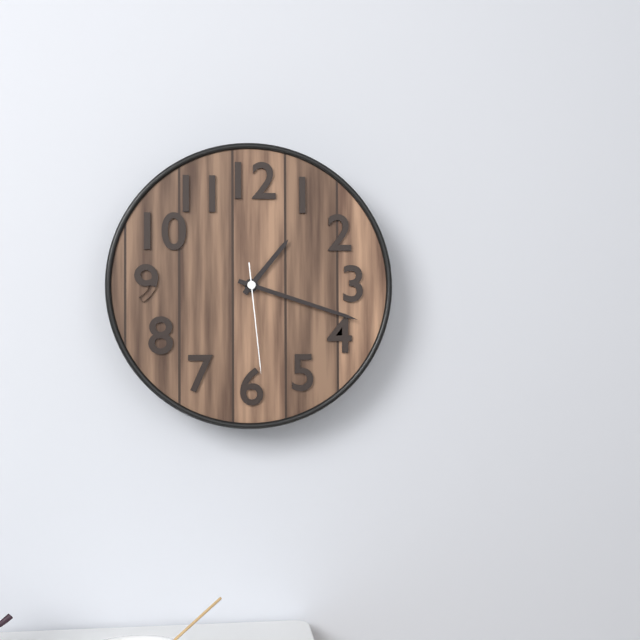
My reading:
{"hour": 1, "minute": 18, "second": 29}
